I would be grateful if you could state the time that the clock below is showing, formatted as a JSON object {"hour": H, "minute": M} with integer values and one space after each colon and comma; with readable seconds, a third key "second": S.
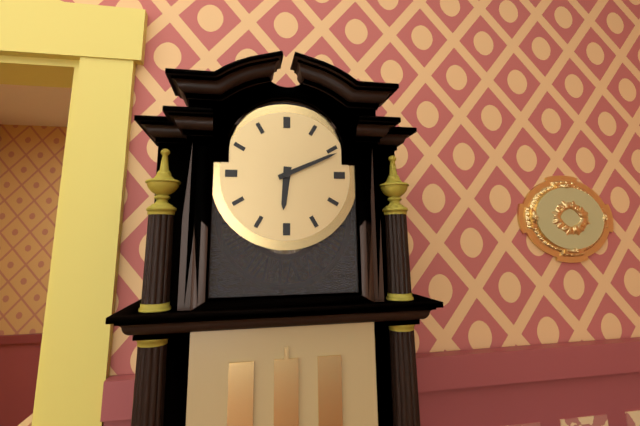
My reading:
{"hour": 6, "minute": 11}
